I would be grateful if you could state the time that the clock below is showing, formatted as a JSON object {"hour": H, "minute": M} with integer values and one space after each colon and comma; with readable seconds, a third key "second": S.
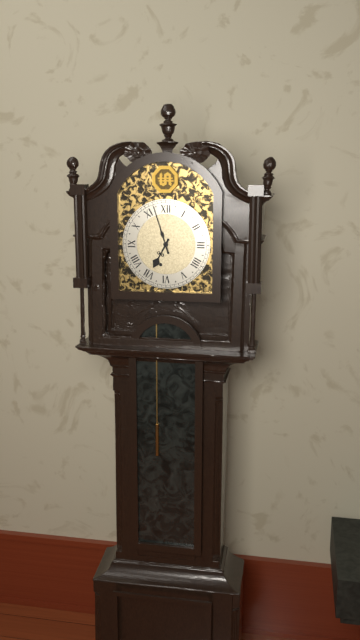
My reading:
{"hour": 6, "minute": 57}
